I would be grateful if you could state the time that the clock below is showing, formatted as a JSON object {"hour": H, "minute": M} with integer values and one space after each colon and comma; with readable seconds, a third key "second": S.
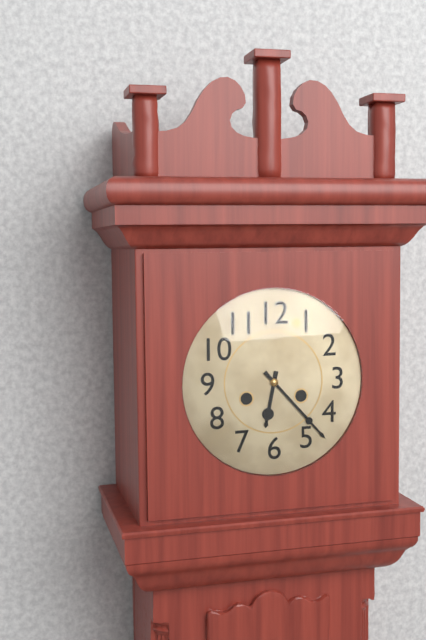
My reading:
{"hour": 6, "minute": 23}
